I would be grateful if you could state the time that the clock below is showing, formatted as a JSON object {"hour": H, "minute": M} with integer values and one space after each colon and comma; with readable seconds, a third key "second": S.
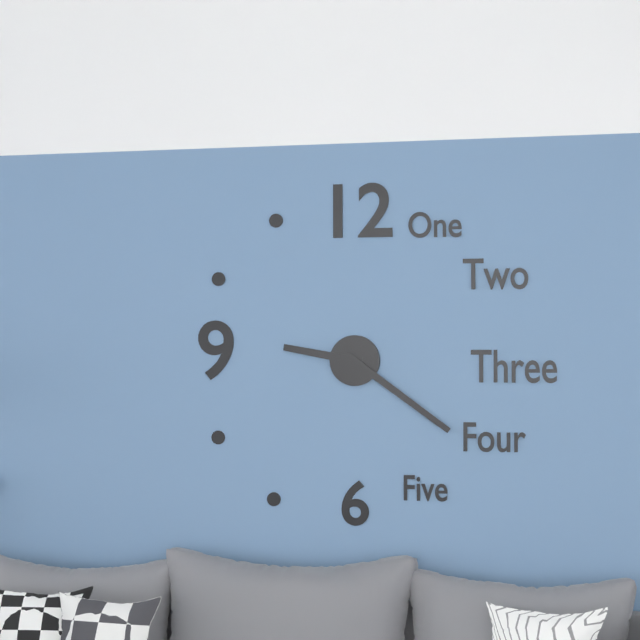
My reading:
{"hour": 9, "minute": 21}
